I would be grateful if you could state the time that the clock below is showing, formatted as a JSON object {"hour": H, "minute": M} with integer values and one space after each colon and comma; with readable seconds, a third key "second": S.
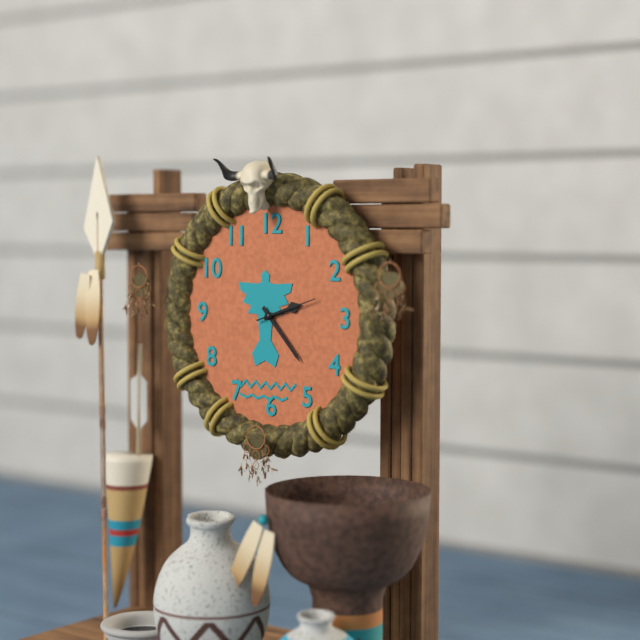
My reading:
{"hour": 2, "minute": 23, "second": 12}
